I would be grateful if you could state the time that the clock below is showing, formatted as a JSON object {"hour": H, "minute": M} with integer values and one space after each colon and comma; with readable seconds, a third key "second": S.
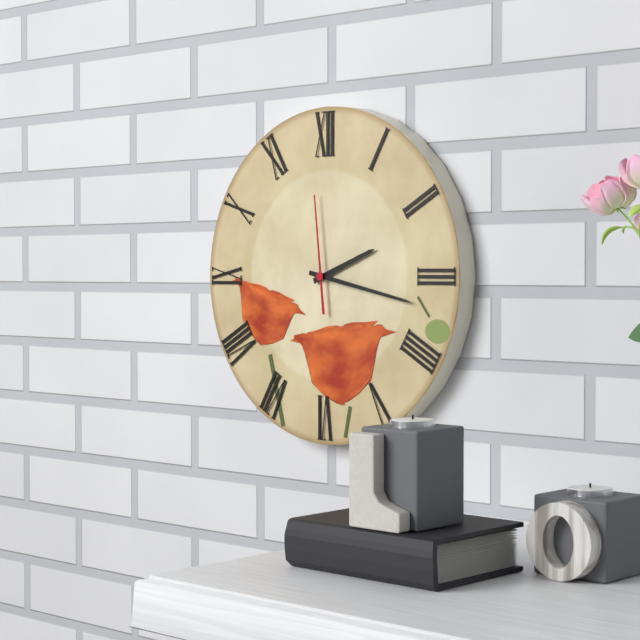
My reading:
{"hour": 2, "minute": 17, "second": 59}
